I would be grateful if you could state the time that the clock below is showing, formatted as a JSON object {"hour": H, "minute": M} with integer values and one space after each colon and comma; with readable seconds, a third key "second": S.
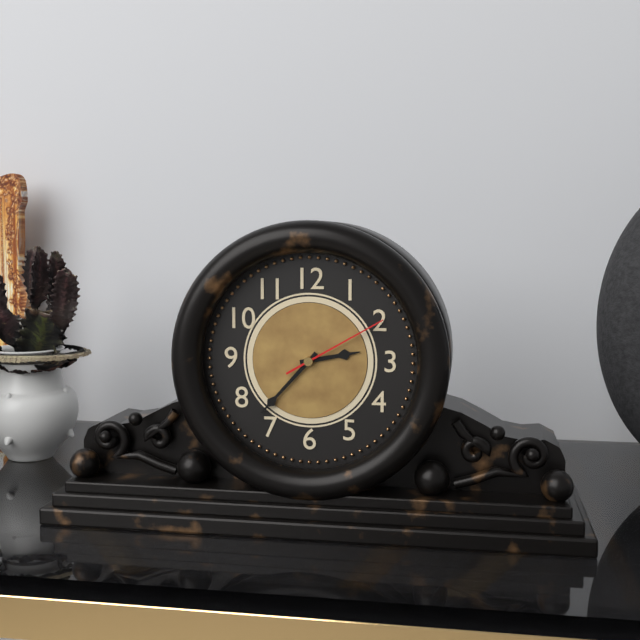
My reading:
{"hour": 2, "minute": 37, "second": 10}
